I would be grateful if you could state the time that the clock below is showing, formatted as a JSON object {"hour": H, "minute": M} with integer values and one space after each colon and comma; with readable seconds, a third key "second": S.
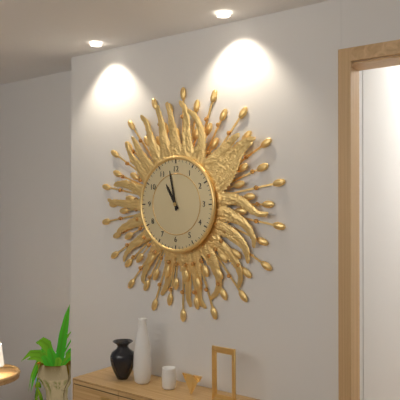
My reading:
{"hour": 10, "minute": 58}
